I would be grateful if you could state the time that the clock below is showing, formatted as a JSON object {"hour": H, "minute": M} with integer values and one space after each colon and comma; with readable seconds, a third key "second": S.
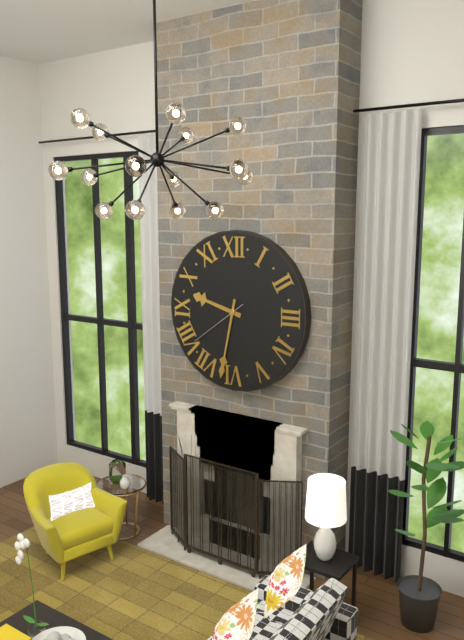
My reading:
{"hour": 9, "minute": 32, "second": 39}
